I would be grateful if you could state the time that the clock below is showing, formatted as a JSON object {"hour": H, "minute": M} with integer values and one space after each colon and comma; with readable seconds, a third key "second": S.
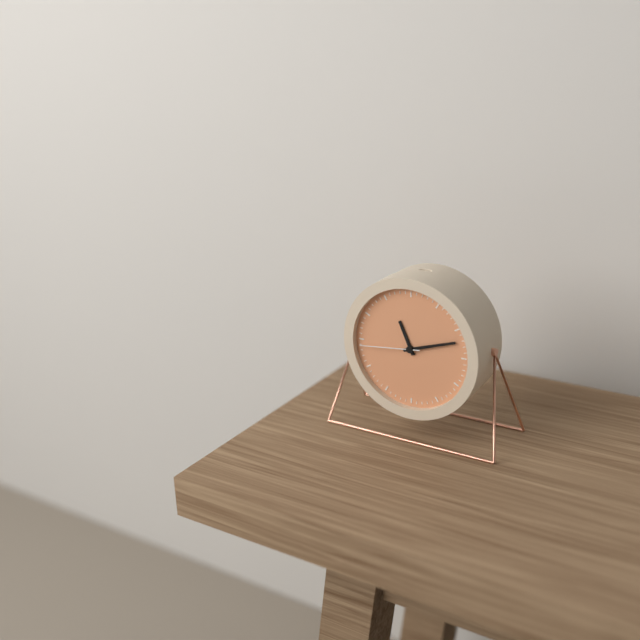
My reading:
{"hour": 11, "minute": 12, "second": 44}
